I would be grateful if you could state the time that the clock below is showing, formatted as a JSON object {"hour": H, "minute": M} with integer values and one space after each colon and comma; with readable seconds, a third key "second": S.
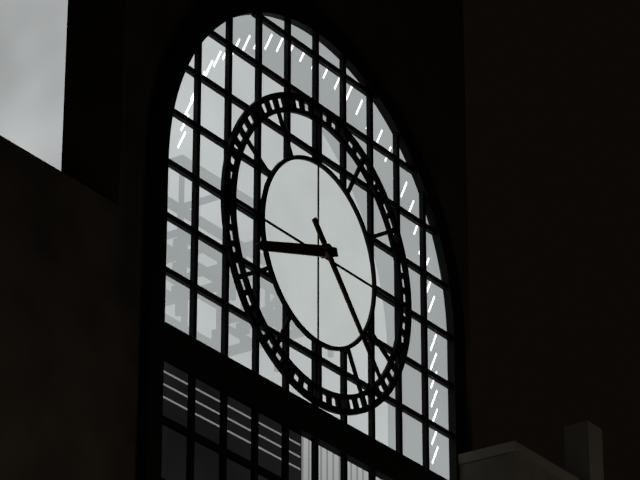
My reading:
{"hour": 8, "minute": 23}
